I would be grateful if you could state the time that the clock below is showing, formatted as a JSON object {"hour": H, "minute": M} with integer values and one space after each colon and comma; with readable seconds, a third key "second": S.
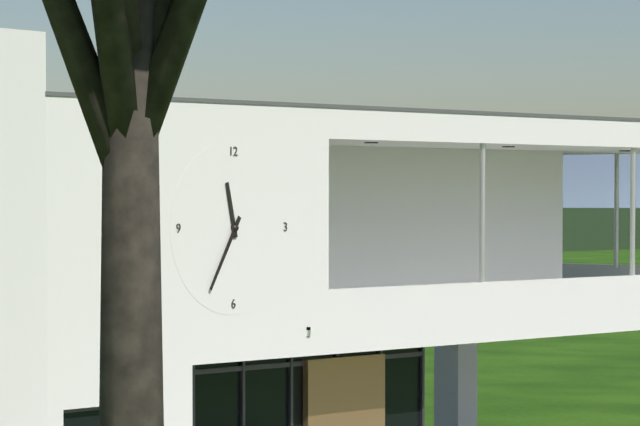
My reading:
{"hour": 11, "minute": 35}
